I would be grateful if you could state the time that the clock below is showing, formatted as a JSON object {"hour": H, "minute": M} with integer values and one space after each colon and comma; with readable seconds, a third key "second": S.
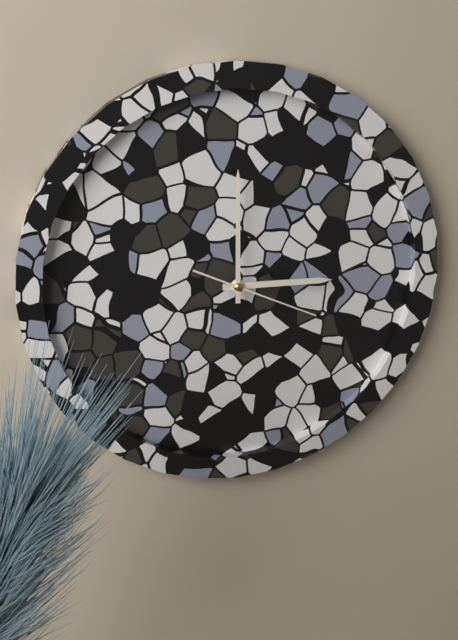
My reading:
{"hour": 3, "minute": 0, "second": 19}
